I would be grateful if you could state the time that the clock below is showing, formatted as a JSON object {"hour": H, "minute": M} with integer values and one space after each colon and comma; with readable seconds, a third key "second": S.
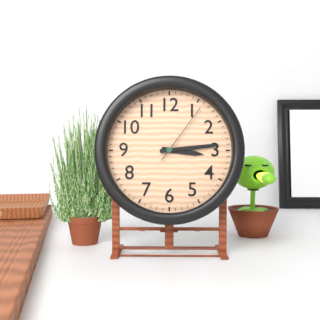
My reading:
{"hour": 3, "minute": 14, "second": 6}
